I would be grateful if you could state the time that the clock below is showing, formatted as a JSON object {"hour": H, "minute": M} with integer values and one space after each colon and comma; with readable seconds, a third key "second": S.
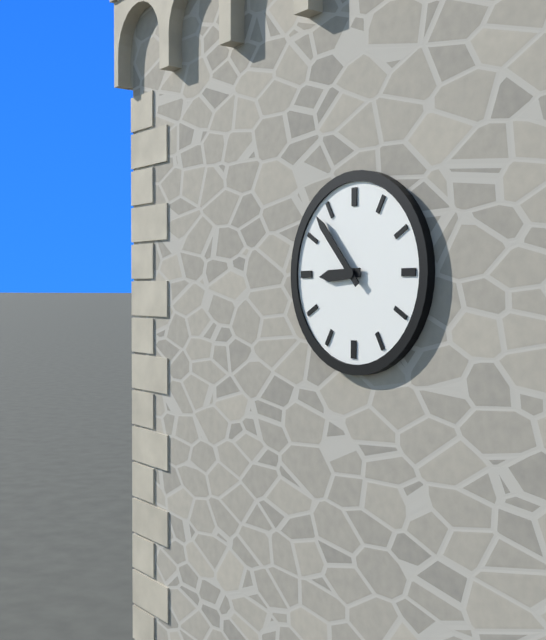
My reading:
{"hour": 8, "minute": 53}
